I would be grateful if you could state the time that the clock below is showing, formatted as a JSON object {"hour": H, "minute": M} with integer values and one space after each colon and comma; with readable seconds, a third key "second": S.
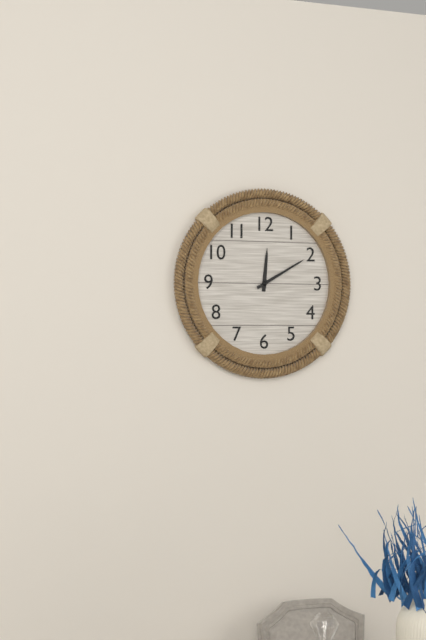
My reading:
{"hour": 12, "minute": 10}
